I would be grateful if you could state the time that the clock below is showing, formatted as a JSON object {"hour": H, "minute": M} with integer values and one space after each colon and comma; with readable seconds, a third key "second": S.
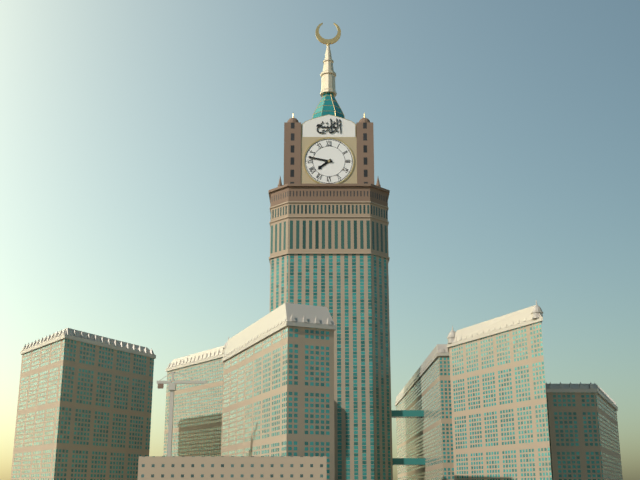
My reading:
{"hour": 7, "minute": 47}
